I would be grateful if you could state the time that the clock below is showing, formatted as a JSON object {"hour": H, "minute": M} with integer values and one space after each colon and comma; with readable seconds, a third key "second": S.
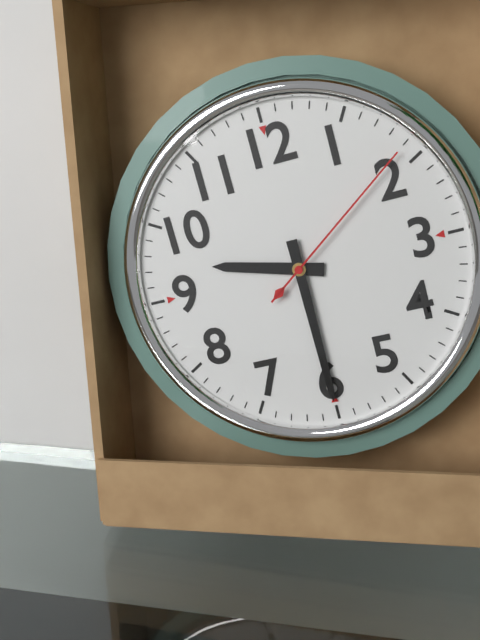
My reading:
{"hour": 9, "minute": 30, "second": 9}
